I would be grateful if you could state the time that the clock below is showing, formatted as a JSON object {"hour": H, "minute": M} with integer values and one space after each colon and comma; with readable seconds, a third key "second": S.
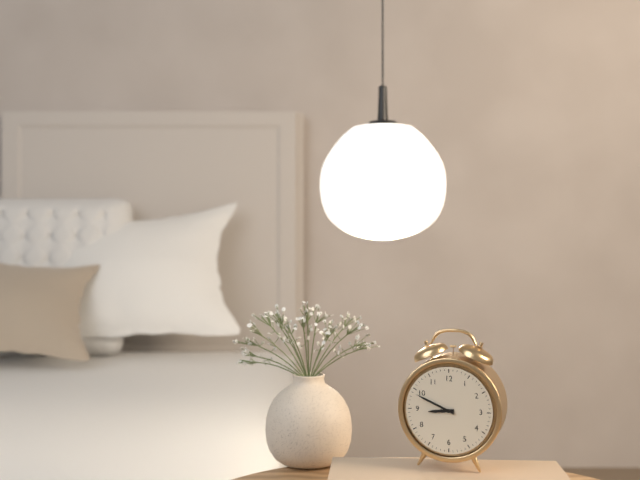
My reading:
{"hour": 8, "minute": 49}
